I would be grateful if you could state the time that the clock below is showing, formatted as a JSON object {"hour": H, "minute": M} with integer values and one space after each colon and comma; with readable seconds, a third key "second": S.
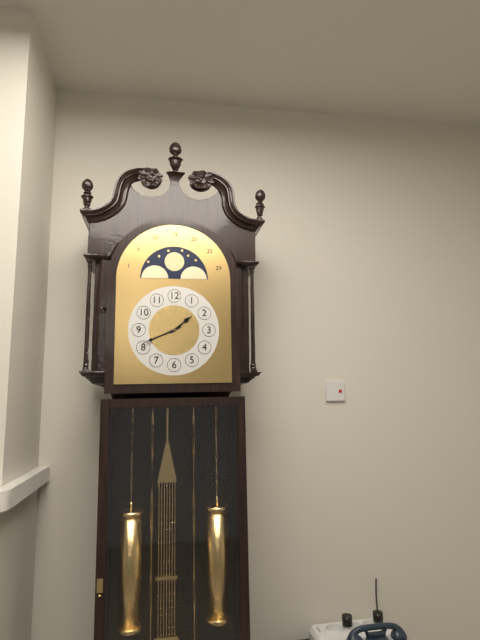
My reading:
{"hour": 1, "minute": 41}
